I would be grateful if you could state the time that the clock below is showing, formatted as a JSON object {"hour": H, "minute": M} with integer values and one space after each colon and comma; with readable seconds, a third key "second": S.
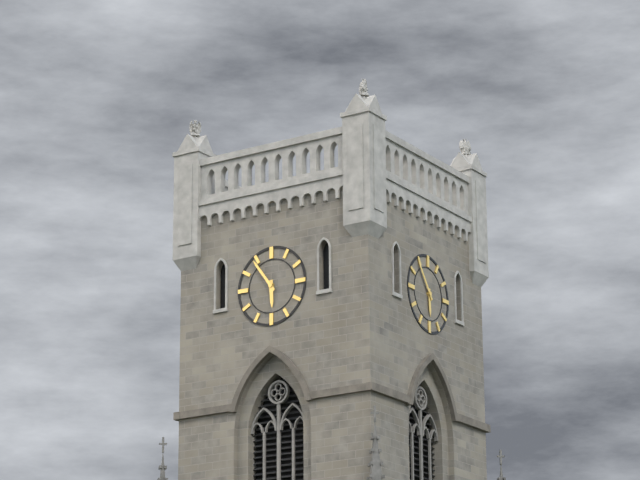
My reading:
{"hour": 5, "minute": 54}
